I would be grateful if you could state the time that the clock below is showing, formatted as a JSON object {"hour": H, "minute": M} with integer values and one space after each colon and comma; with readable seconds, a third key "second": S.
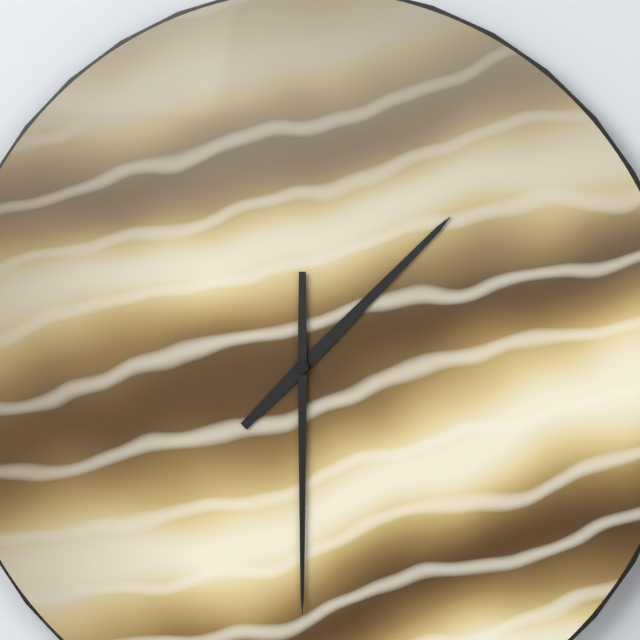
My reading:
{"hour": 1, "minute": 30}
